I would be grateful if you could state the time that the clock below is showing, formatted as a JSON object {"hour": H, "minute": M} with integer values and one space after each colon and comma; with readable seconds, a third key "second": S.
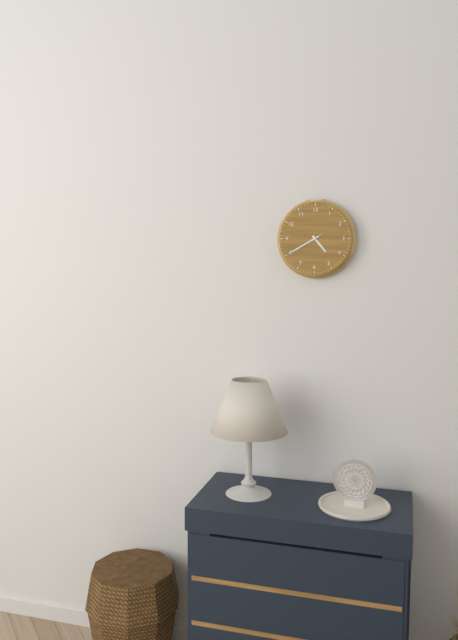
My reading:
{"hour": 4, "minute": 40}
